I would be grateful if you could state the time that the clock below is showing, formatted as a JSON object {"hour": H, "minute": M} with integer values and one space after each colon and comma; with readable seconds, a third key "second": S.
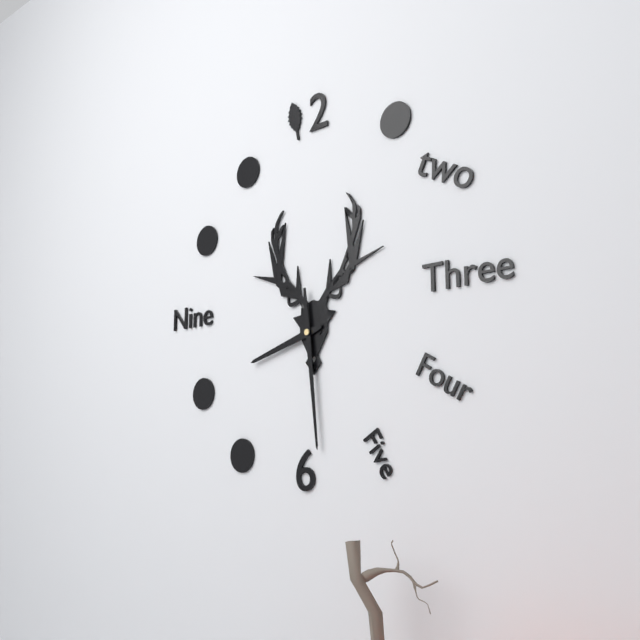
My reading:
{"hour": 8, "minute": 29}
